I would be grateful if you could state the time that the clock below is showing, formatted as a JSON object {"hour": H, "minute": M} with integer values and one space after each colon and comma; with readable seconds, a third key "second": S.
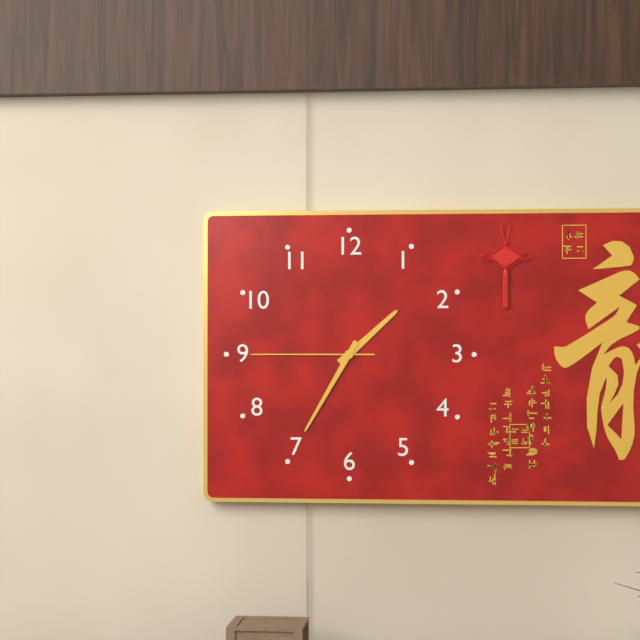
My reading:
{"hour": 1, "minute": 35, "second": 45}
